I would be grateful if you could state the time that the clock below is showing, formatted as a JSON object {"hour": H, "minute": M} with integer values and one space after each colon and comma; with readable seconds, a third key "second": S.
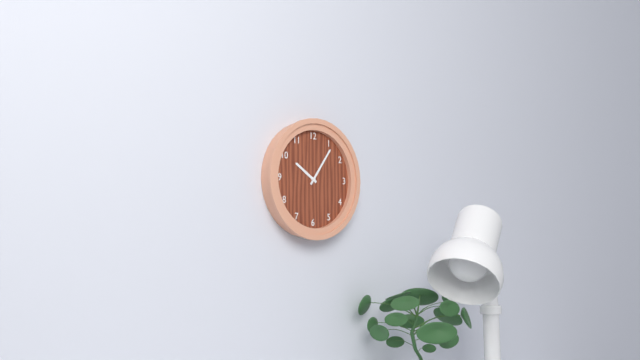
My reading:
{"hour": 10, "minute": 6}
